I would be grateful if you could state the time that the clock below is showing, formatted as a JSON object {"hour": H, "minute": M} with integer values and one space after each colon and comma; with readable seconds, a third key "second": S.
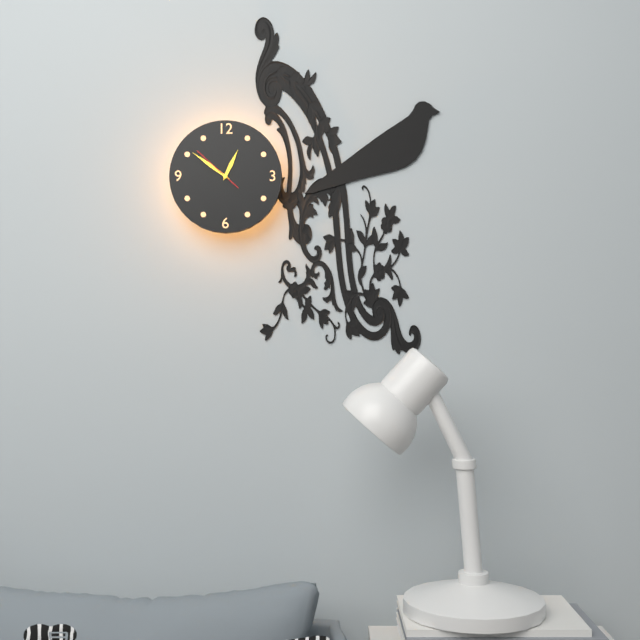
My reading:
{"hour": 12, "minute": 51, "second": 52}
